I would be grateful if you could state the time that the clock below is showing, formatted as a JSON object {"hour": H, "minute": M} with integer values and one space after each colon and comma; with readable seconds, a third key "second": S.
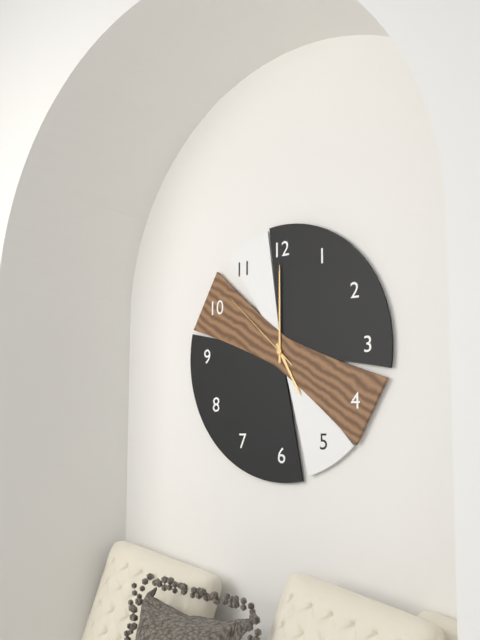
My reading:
{"hour": 5, "minute": 0, "second": 52}
